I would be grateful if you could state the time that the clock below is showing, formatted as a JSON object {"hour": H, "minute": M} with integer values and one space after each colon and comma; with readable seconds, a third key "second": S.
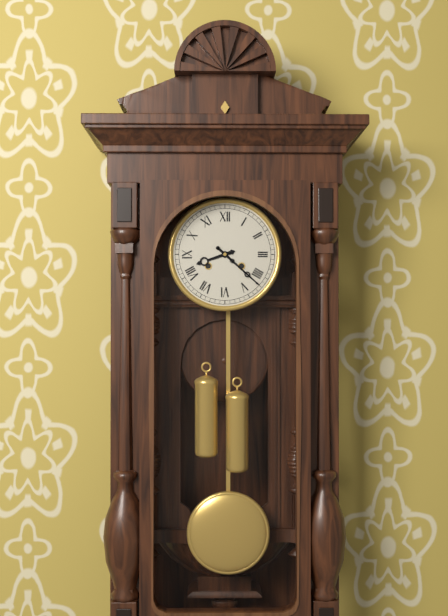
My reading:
{"hour": 8, "minute": 22}
